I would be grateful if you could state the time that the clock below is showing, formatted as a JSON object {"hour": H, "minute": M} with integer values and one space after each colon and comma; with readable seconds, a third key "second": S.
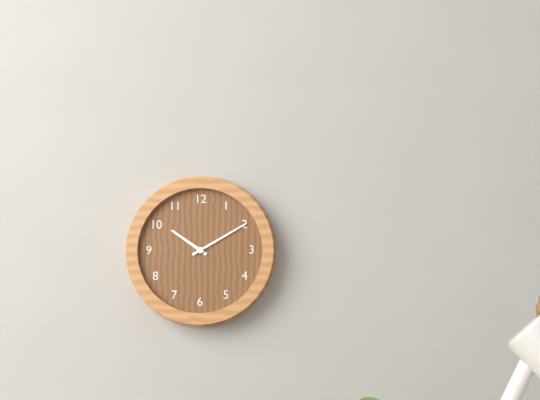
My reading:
{"hour": 10, "minute": 10}
